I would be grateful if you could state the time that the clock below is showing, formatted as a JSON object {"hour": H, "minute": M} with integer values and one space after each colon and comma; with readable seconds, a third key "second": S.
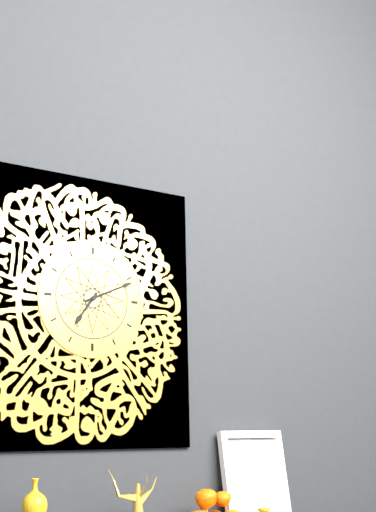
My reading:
{"hour": 7, "minute": 11}
